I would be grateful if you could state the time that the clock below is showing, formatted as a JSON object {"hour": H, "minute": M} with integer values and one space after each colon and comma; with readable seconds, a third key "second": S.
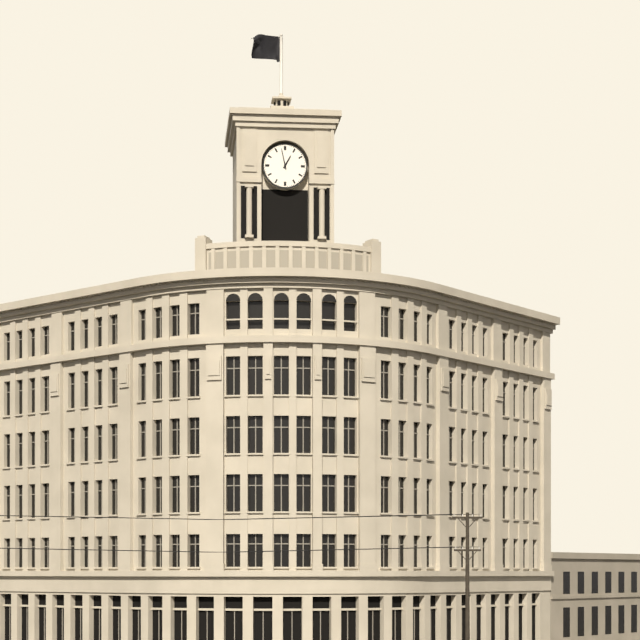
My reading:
{"hour": 12, "minute": 58}
